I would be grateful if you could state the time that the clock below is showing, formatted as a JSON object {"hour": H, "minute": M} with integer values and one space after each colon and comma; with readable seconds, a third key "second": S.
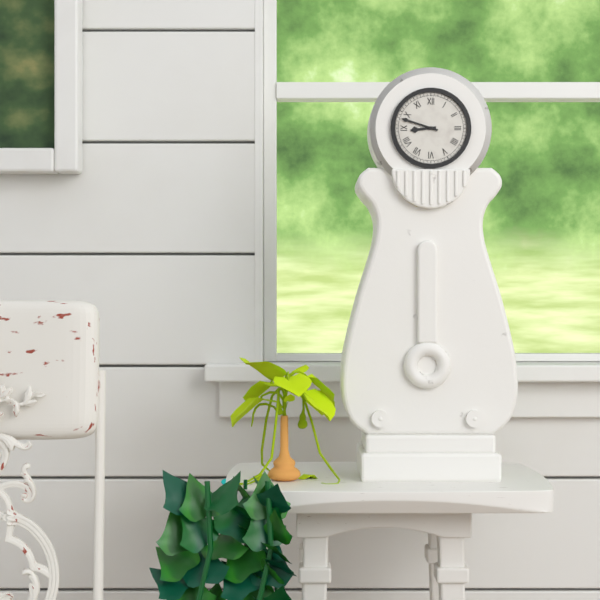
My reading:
{"hour": 8, "minute": 48}
